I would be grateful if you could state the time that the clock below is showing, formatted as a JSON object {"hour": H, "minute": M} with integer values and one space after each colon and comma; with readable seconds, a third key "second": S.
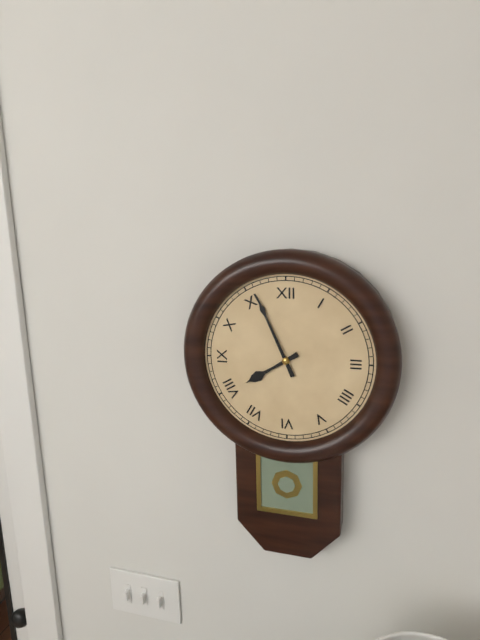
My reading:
{"hour": 7, "minute": 56}
